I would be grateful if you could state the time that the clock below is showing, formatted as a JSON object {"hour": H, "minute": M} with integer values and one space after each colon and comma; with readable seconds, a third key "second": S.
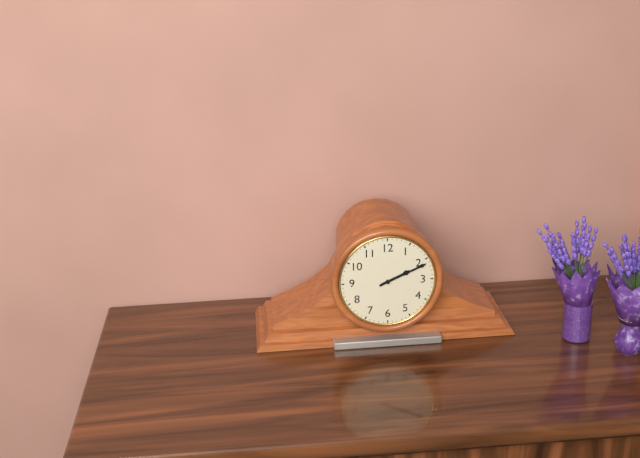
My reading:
{"hour": 2, "minute": 11}
